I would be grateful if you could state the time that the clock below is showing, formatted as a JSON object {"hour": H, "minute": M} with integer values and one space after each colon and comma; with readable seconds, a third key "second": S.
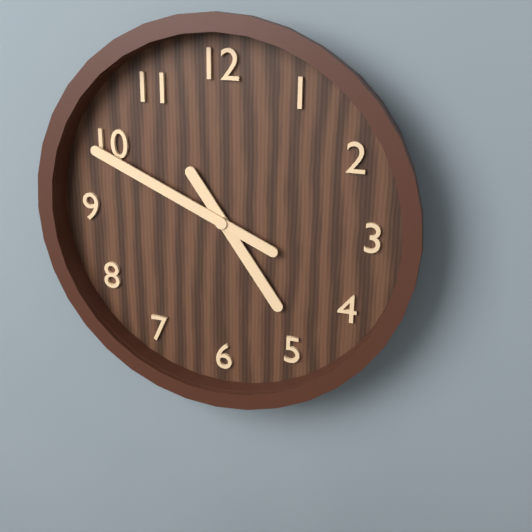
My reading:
{"hour": 4, "minute": 49}
